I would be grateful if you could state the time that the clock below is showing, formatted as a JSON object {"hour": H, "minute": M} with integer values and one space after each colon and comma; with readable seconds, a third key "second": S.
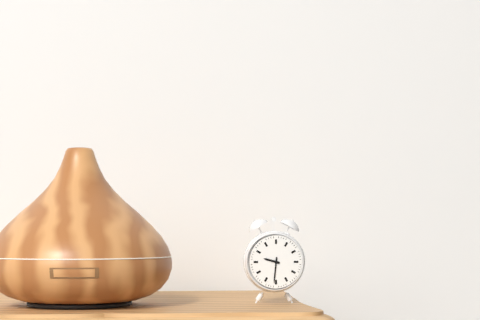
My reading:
{"hour": 9, "minute": 31}
